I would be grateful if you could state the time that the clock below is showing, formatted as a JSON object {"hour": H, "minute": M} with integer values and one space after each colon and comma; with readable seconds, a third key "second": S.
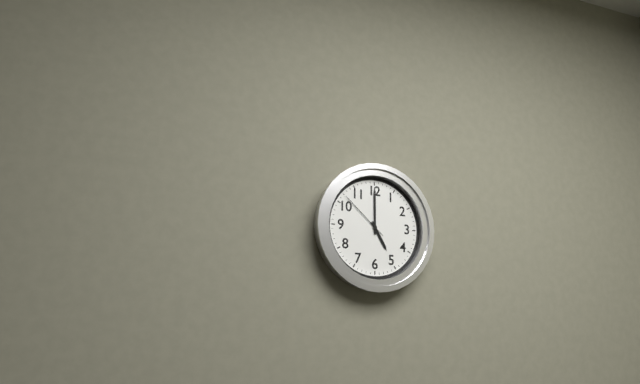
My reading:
{"hour": 5, "minute": 0, "second": 52}
